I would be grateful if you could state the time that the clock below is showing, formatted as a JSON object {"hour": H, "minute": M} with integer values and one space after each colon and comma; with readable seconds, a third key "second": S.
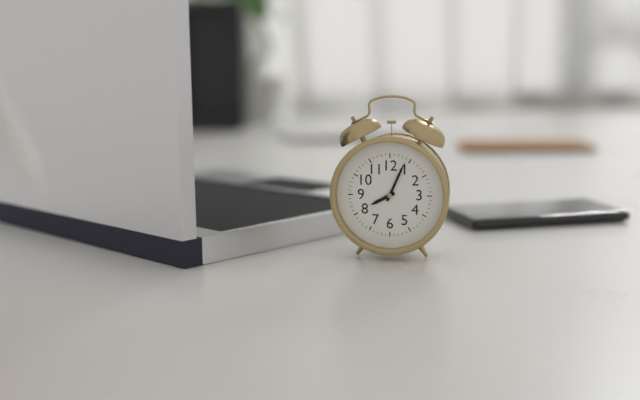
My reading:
{"hour": 8, "minute": 4}
